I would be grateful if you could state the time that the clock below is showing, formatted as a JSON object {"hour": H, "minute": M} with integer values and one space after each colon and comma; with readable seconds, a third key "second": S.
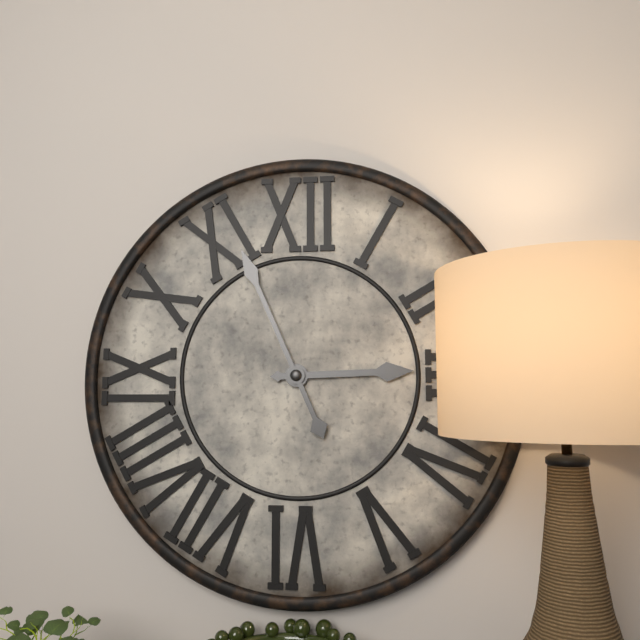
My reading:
{"hour": 2, "minute": 56}
